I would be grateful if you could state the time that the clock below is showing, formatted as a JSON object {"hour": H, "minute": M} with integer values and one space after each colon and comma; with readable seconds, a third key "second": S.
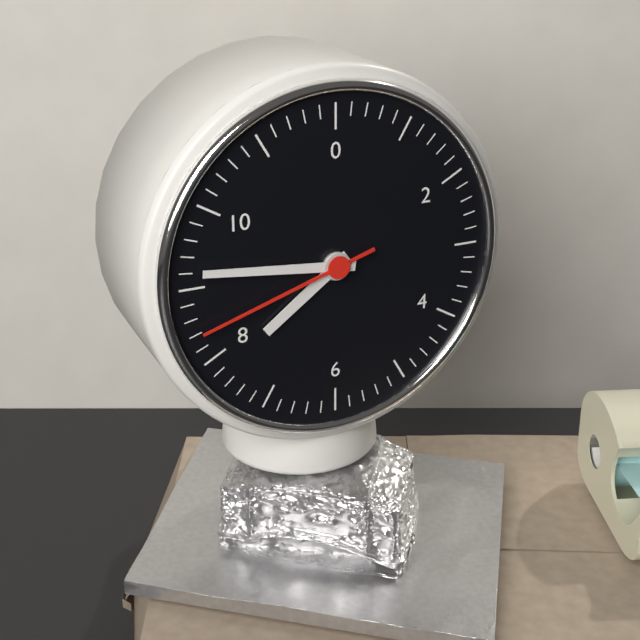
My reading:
{"hour": 7, "minute": 46, "second": 42}
